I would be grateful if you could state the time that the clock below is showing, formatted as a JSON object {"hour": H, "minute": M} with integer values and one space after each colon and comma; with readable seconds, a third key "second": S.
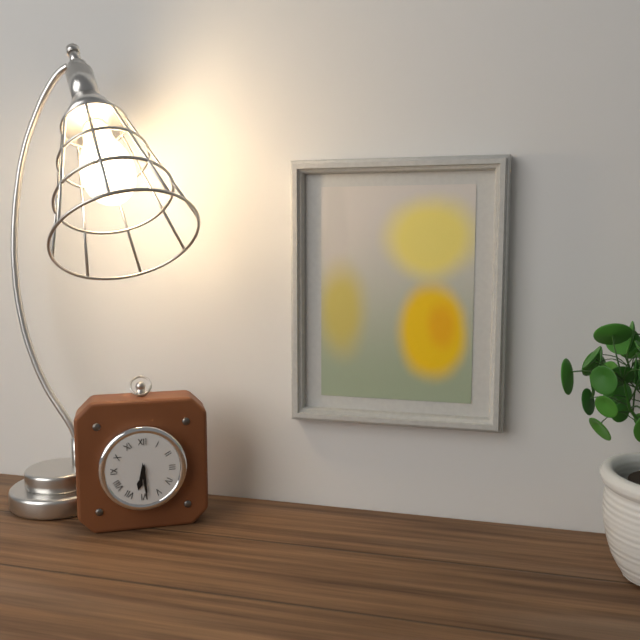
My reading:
{"hour": 6, "minute": 29}
